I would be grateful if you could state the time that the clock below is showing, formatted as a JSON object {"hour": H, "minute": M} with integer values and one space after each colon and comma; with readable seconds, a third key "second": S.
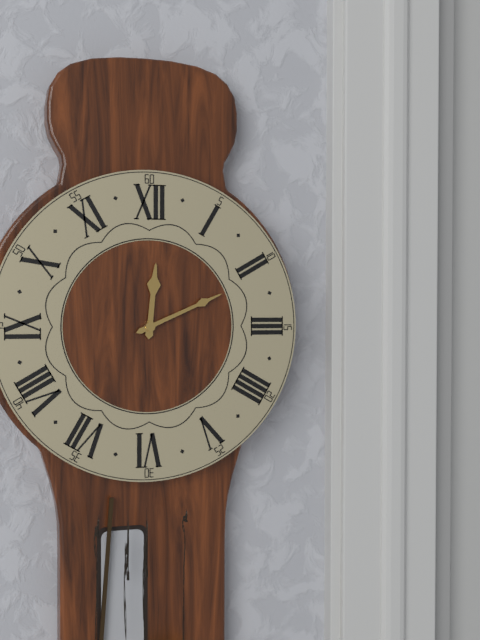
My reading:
{"hour": 12, "minute": 11}
